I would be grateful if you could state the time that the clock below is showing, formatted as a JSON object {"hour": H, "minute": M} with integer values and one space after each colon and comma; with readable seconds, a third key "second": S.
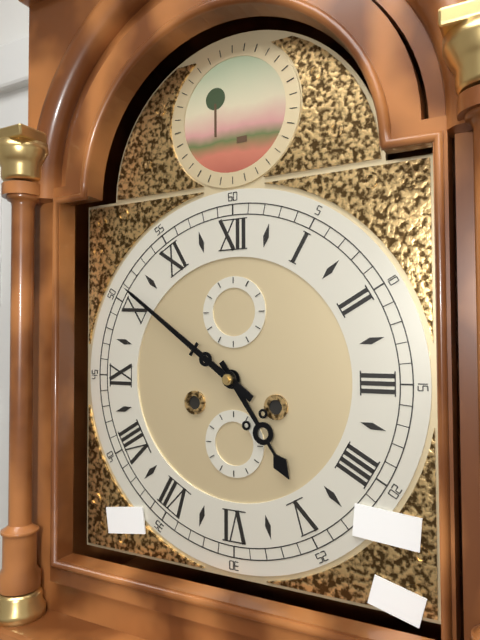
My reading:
{"hour": 4, "minute": 51}
